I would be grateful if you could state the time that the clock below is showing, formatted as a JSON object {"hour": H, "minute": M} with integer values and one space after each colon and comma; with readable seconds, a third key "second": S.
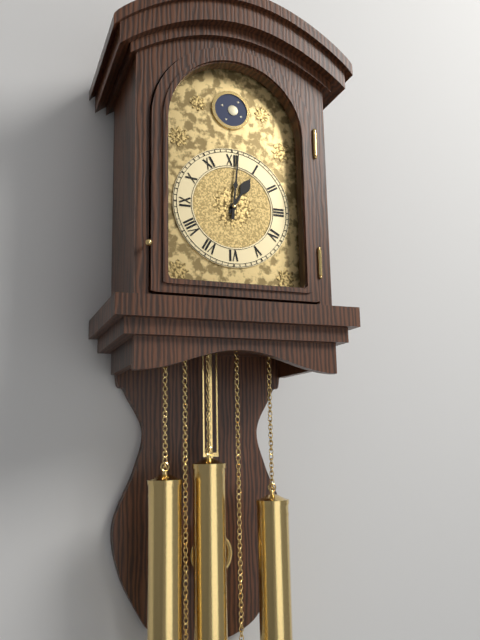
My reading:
{"hour": 1, "minute": 1}
